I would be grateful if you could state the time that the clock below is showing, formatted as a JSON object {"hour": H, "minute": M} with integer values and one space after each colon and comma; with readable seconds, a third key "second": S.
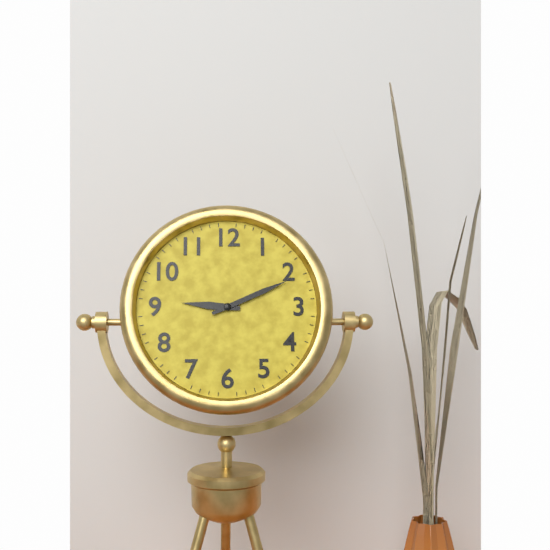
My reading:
{"hour": 9, "minute": 11}
